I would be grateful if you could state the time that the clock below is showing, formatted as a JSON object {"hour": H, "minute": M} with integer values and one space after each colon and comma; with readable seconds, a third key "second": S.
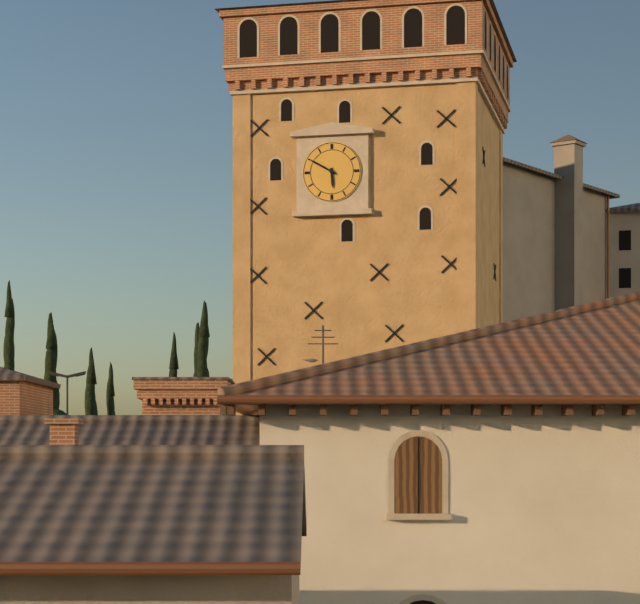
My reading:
{"hour": 5, "minute": 50}
